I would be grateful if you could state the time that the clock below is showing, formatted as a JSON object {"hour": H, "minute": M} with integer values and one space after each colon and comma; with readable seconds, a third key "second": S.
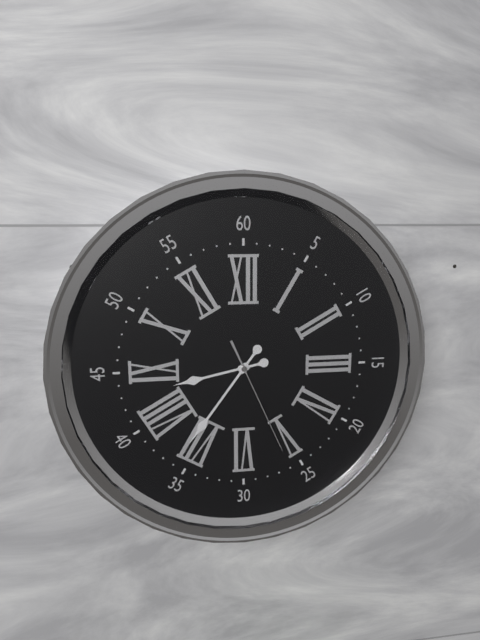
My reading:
{"hour": 8, "minute": 36, "second": 26}
